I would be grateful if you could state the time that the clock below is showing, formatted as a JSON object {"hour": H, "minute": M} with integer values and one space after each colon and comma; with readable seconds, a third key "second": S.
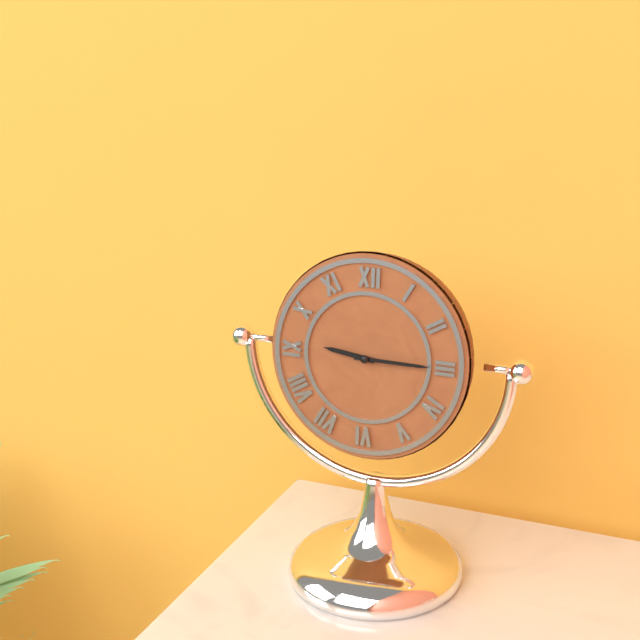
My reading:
{"hour": 9, "minute": 15}
